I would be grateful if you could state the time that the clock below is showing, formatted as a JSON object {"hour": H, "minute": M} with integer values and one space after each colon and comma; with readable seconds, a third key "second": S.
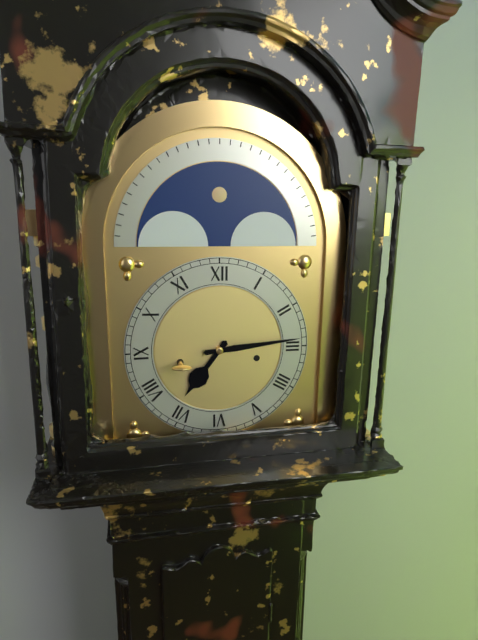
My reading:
{"hour": 7, "minute": 14}
